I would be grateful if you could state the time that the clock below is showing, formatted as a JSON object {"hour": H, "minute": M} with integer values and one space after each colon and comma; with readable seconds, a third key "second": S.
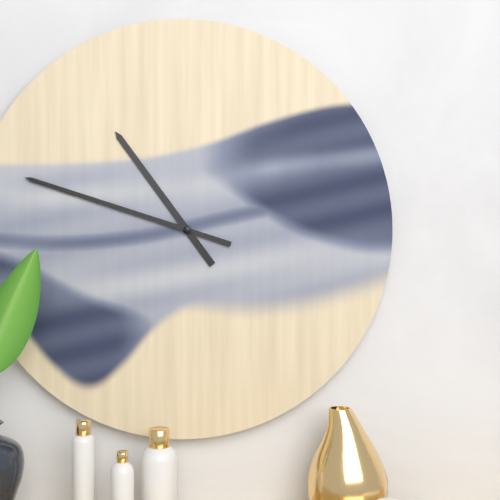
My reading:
{"hour": 10, "minute": 48}
